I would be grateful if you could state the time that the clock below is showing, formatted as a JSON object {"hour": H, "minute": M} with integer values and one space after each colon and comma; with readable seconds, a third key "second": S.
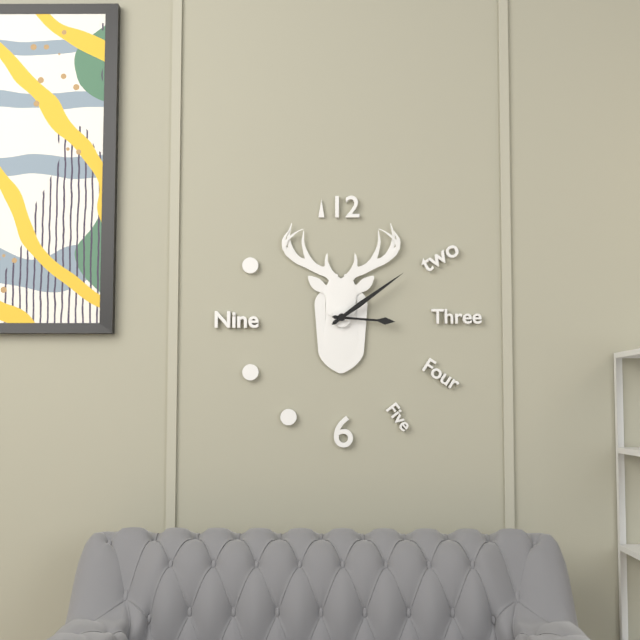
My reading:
{"hour": 3, "minute": 9}
